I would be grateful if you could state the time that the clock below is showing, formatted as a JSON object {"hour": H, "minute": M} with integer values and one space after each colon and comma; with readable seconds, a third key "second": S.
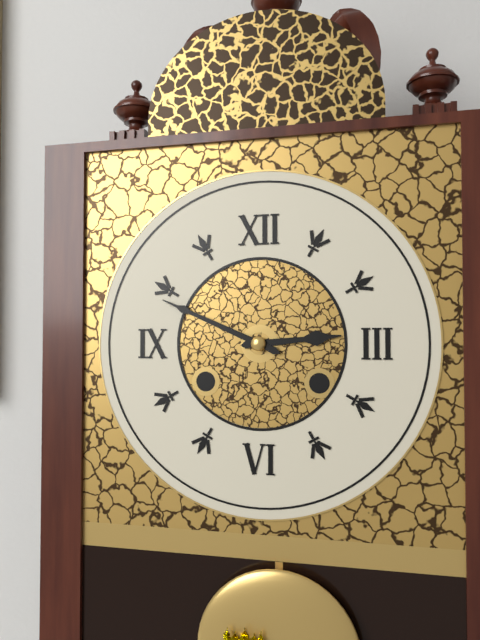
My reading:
{"hour": 2, "minute": 49}
